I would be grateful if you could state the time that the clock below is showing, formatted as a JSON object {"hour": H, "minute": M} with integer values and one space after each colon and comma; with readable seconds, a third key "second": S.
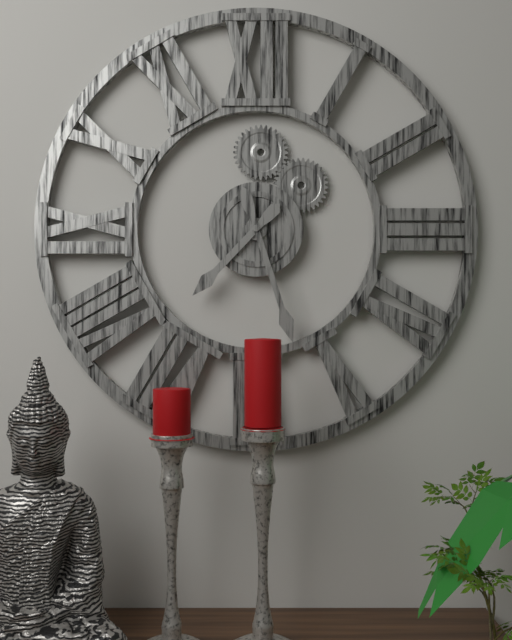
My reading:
{"hour": 7, "minute": 27}
